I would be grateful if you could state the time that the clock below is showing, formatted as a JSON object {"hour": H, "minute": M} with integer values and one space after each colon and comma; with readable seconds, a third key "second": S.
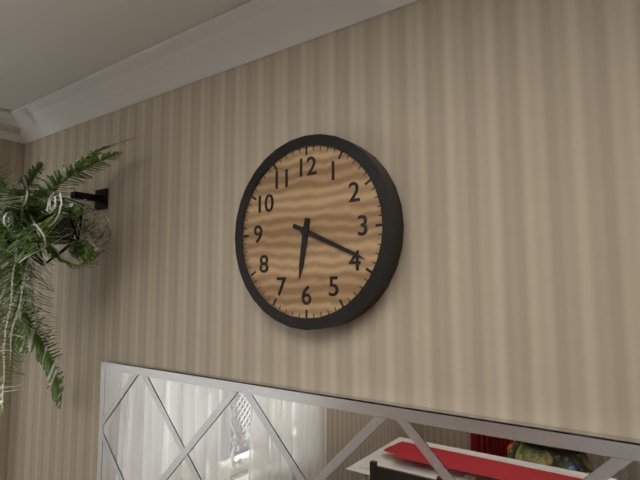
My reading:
{"hour": 6, "minute": 19}
